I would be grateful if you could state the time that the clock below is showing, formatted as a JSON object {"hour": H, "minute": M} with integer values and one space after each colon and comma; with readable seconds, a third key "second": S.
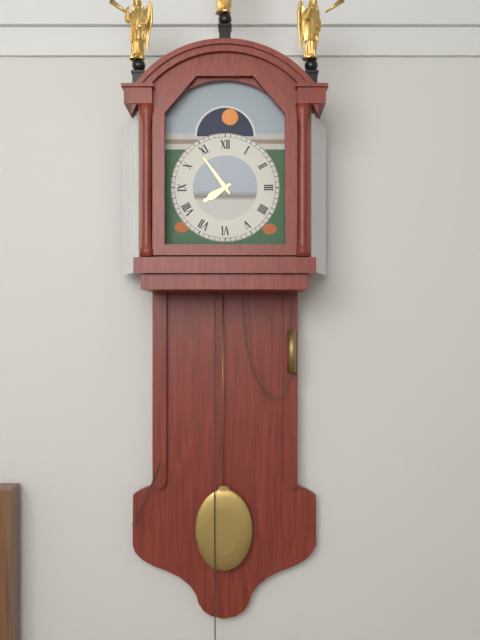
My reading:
{"hour": 7, "minute": 54}
